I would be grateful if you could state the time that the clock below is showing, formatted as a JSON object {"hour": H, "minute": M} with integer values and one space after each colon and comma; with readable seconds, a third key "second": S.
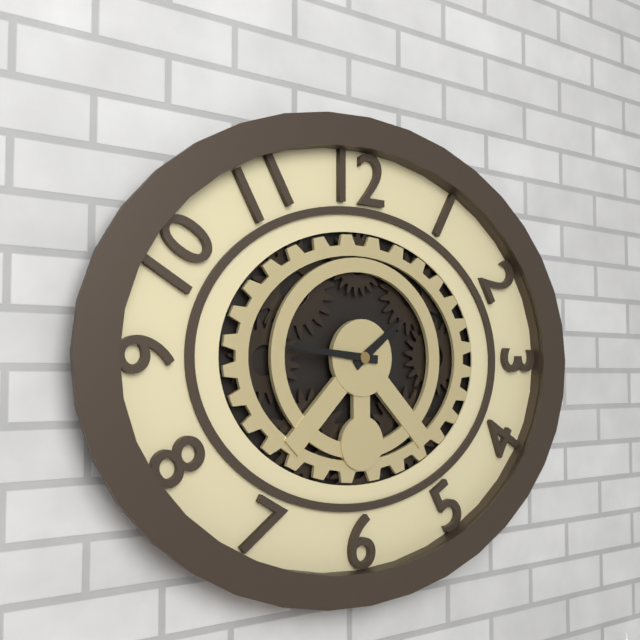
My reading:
{"hour": 1, "minute": 46}
